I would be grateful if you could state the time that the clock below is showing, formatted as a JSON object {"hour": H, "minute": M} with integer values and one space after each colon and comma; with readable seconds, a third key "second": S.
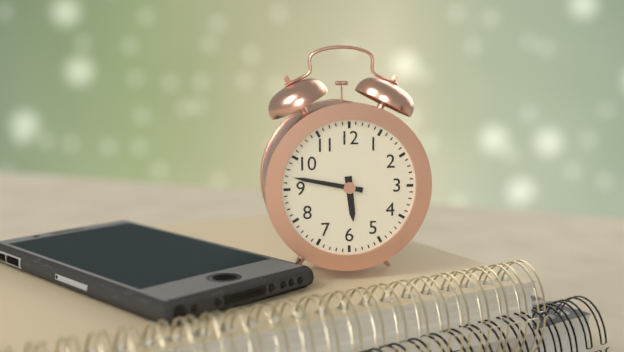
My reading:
{"hour": 5, "minute": 47}
